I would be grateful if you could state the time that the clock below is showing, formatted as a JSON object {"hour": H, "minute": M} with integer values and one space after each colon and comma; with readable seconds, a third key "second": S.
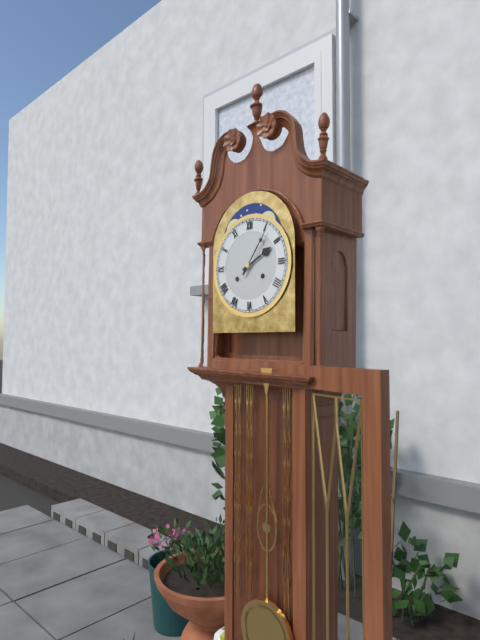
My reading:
{"hour": 2, "minute": 6}
